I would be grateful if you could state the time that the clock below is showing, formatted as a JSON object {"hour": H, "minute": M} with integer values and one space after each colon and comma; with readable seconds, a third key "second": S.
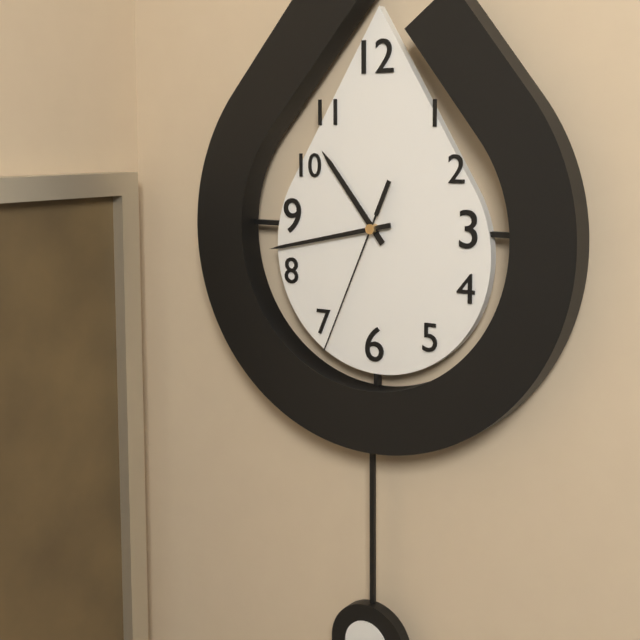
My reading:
{"hour": 10, "minute": 43, "second": 34}
